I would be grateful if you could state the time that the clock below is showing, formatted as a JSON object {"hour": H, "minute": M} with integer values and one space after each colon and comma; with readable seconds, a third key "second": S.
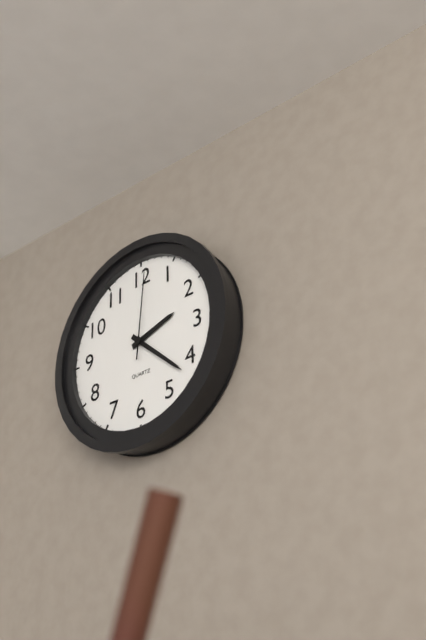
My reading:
{"hour": 2, "minute": 22, "second": 1}
